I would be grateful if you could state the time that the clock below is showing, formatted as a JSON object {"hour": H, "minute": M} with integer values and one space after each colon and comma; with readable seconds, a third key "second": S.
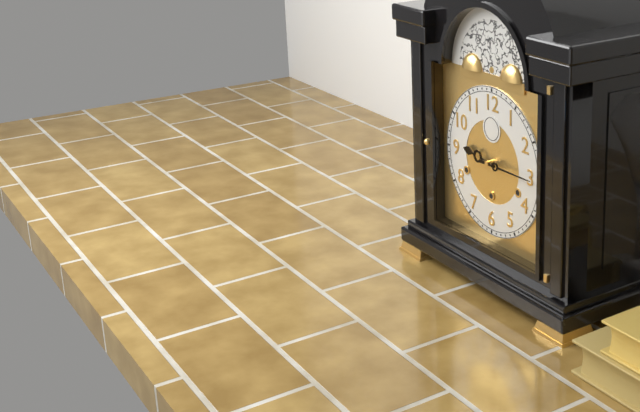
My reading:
{"hour": 9, "minute": 15}
